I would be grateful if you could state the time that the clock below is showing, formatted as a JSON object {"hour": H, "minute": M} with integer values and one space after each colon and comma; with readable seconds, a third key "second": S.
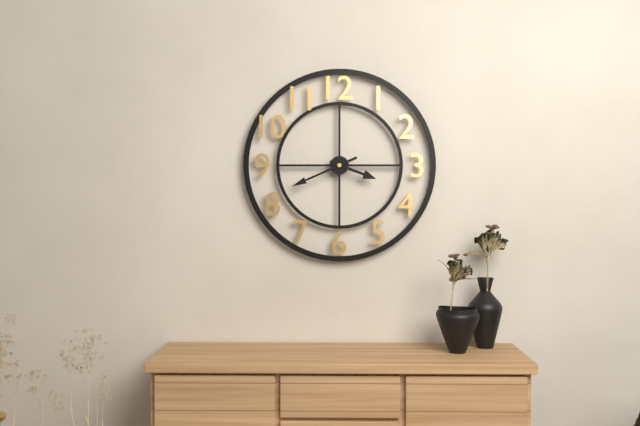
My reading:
{"hour": 3, "minute": 41}
